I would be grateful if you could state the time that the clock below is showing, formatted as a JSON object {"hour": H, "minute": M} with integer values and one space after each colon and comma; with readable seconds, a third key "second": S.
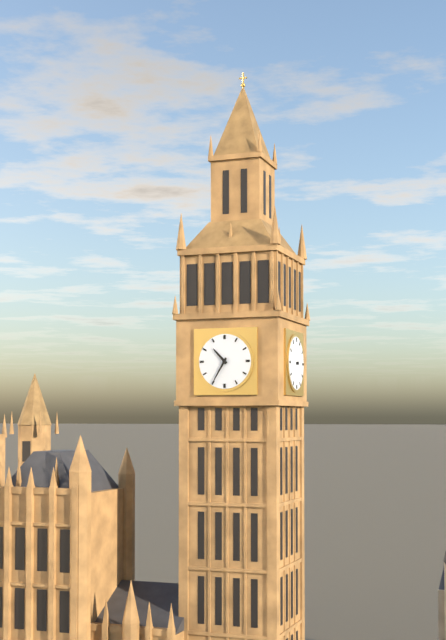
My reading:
{"hour": 10, "minute": 35}
